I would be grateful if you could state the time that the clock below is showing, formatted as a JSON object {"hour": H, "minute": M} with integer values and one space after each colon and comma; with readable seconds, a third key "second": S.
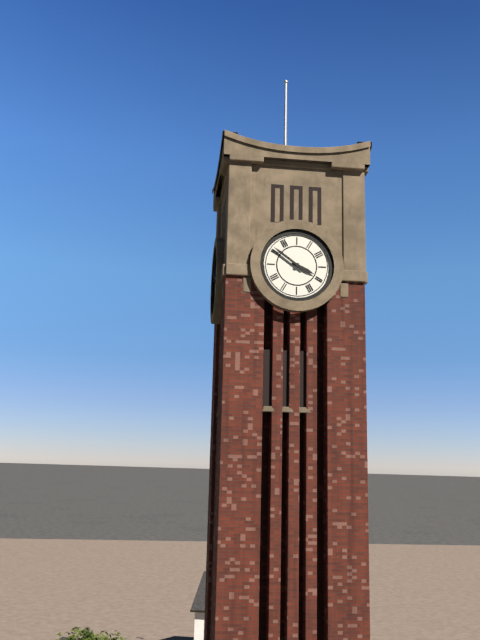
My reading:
{"hour": 3, "minute": 51}
